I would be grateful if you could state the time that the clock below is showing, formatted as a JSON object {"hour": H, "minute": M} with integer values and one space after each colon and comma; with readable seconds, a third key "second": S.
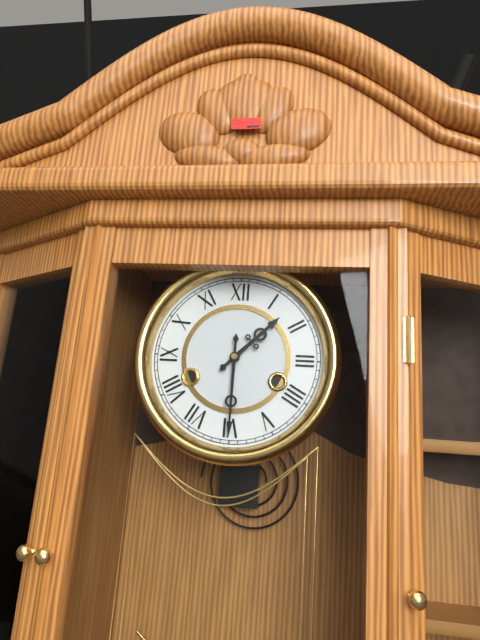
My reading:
{"hour": 1, "minute": 30}
